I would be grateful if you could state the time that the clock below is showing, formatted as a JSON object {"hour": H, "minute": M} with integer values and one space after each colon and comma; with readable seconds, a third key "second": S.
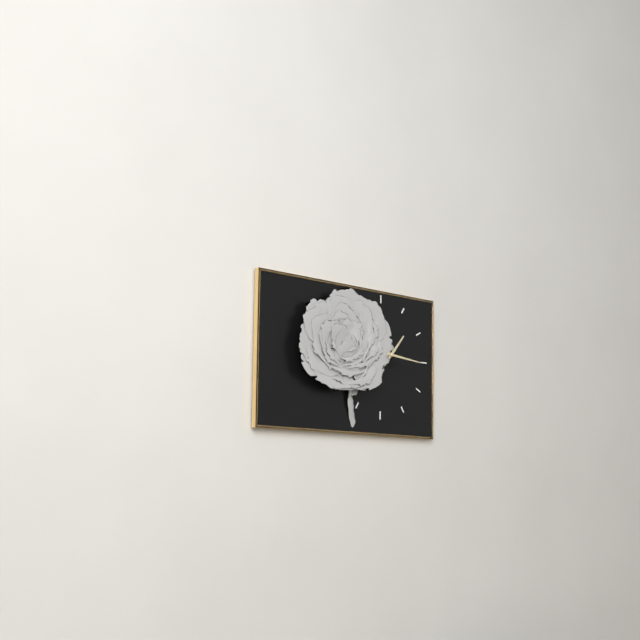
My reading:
{"hour": 1, "minute": 16}
